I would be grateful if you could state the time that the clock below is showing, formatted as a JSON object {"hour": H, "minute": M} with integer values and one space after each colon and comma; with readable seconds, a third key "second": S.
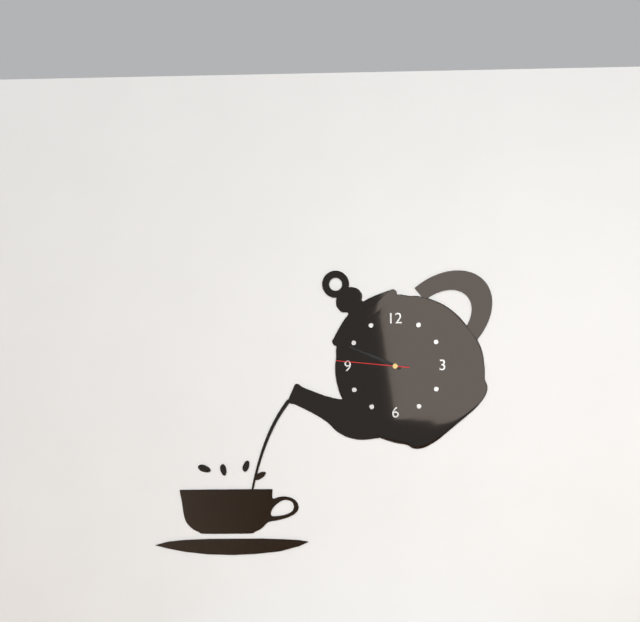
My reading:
{"hour": 9, "minute": 49, "second": 46}
